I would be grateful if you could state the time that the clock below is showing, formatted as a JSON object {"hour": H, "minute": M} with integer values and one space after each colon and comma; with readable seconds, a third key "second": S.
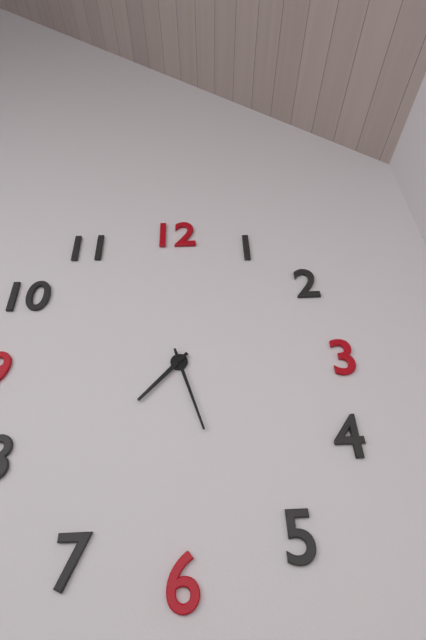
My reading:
{"hour": 7, "minute": 27}
